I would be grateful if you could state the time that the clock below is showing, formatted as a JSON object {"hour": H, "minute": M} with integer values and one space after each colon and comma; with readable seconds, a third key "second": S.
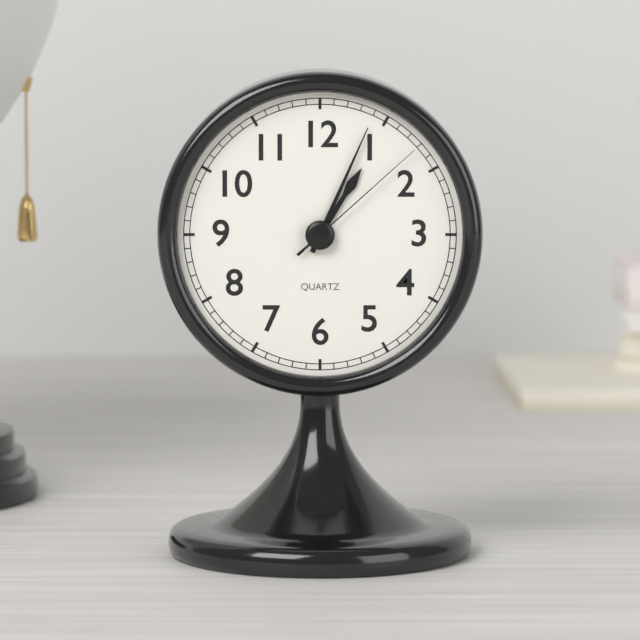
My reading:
{"hour": 1, "minute": 4, "second": 8}
